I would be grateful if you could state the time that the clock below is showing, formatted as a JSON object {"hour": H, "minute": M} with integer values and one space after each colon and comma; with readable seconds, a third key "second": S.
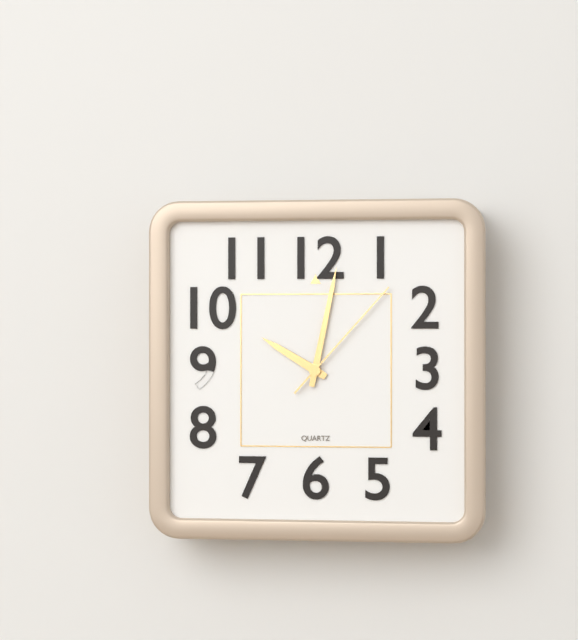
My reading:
{"hour": 10, "minute": 2, "second": 7}
